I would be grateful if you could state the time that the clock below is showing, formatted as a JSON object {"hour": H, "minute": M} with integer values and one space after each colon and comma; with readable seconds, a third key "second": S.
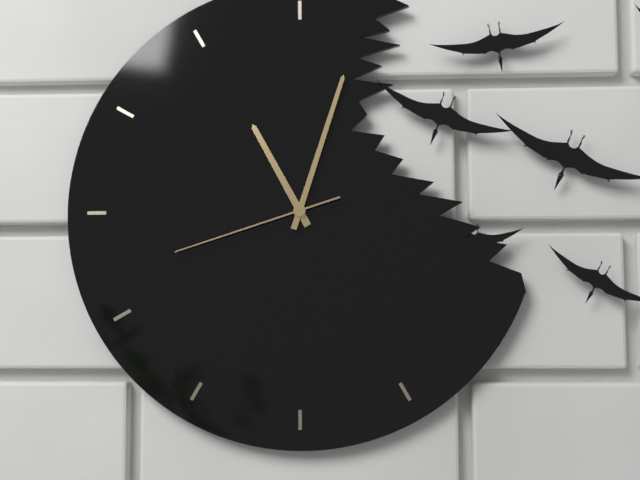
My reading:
{"hour": 11, "minute": 3, "second": 42}
